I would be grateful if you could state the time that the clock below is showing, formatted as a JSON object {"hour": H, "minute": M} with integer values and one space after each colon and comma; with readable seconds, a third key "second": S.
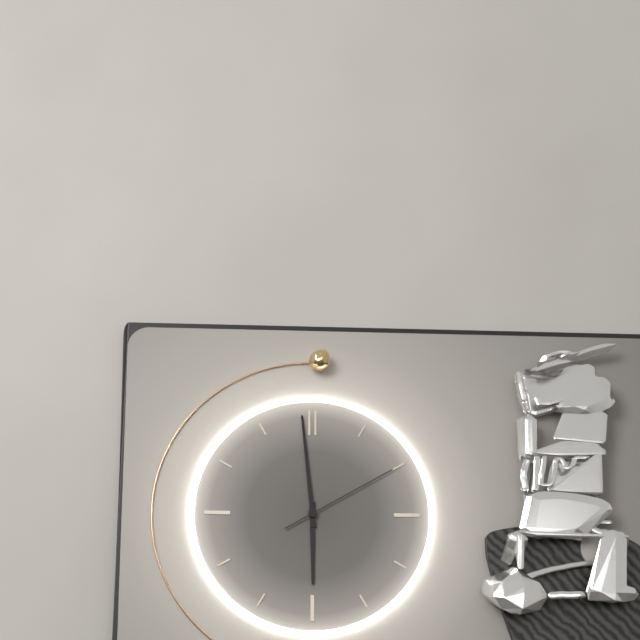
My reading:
{"hour": 5, "minute": 59, "second": 10}
